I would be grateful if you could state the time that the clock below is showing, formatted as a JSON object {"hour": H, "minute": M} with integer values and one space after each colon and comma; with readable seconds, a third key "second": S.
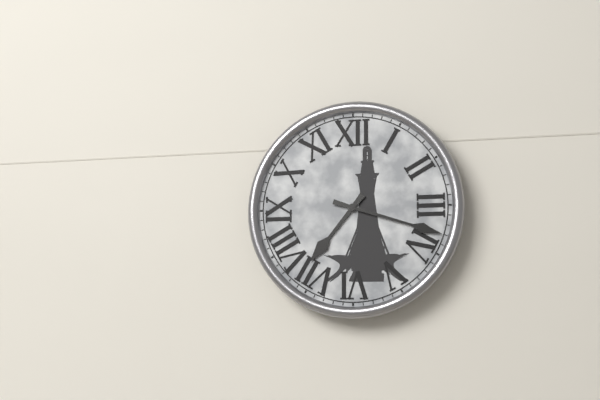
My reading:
{"hour": 7, "minute": 18}
